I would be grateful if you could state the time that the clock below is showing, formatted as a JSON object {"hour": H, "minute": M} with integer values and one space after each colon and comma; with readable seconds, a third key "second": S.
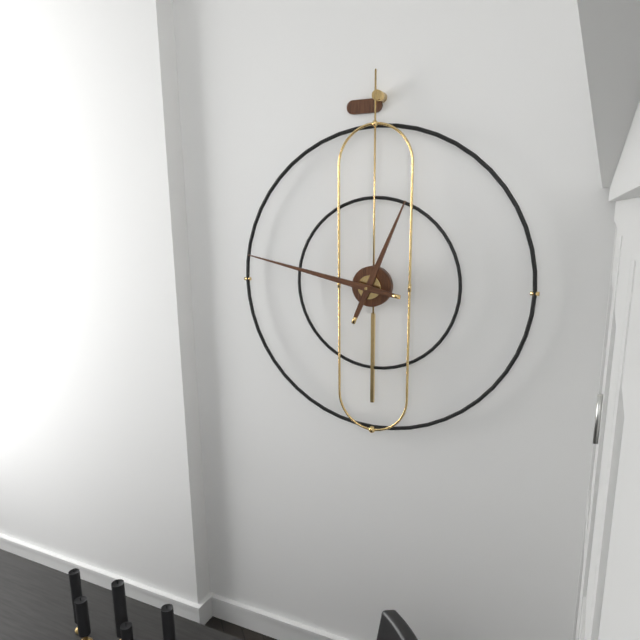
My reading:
{"hour": 12, "minute": 47}
